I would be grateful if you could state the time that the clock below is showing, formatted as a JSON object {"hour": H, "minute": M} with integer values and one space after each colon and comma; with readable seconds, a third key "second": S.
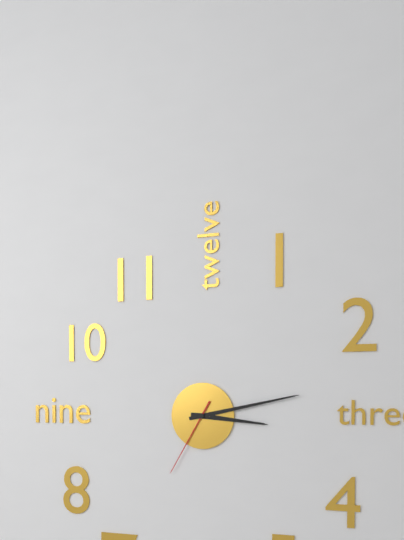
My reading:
{"hour": 3, "minute": 13, "second": 35}
